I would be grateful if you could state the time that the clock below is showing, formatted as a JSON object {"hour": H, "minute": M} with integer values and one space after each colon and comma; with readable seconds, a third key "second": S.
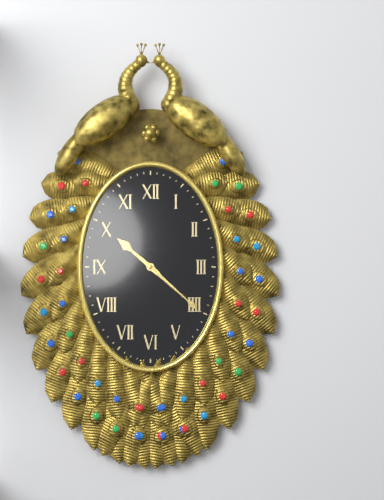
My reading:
{"hour": 10, "minute": 22}
